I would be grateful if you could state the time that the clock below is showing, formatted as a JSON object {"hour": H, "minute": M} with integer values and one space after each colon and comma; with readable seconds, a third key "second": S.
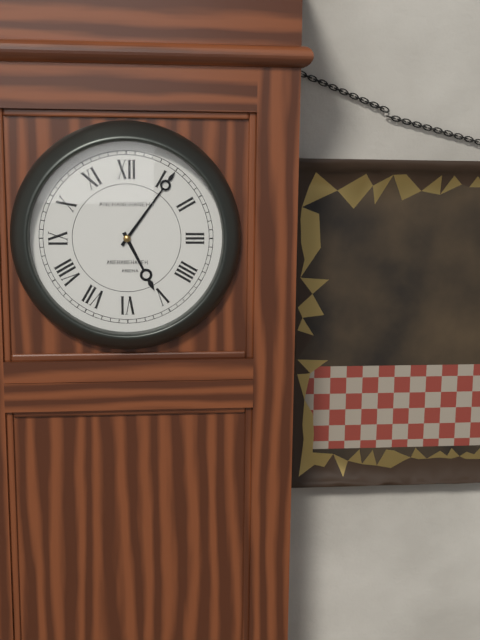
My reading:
{"hour": 5, "minute": 6}
